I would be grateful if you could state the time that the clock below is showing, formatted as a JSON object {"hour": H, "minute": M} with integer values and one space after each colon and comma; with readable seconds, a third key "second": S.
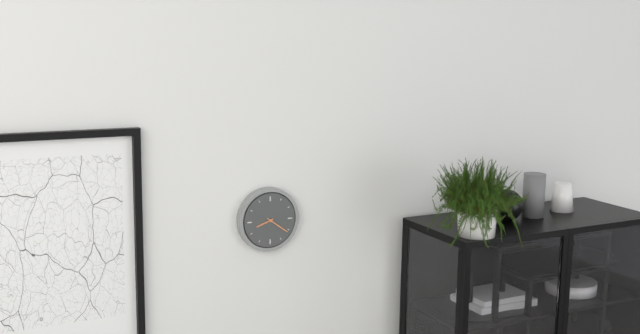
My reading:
{"hour": 8, "minute": 21}
